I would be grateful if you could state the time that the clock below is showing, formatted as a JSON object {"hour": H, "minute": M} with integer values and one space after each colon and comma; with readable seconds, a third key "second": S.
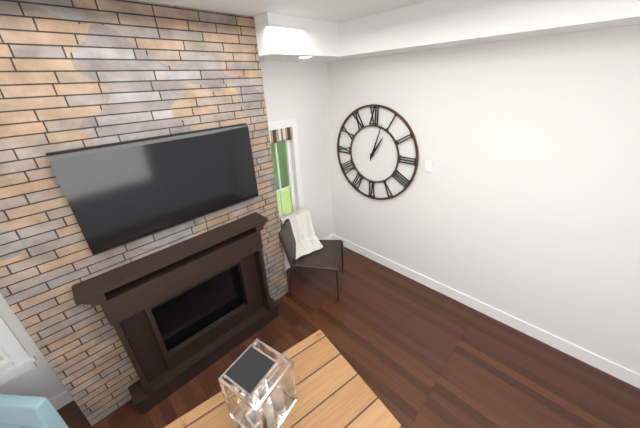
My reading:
{"hour": 1, "minute": 3}
